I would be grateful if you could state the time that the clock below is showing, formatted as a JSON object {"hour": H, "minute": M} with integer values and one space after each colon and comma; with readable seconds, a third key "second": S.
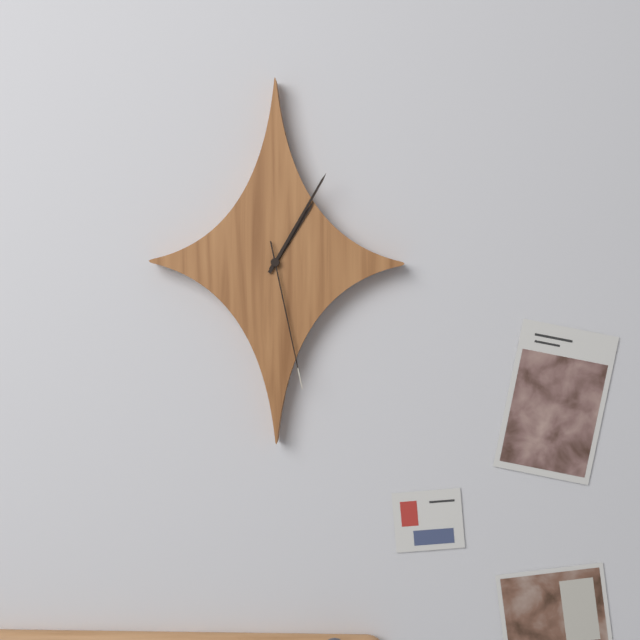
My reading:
{"hour": 1, "minute": 5, "second": 28}
